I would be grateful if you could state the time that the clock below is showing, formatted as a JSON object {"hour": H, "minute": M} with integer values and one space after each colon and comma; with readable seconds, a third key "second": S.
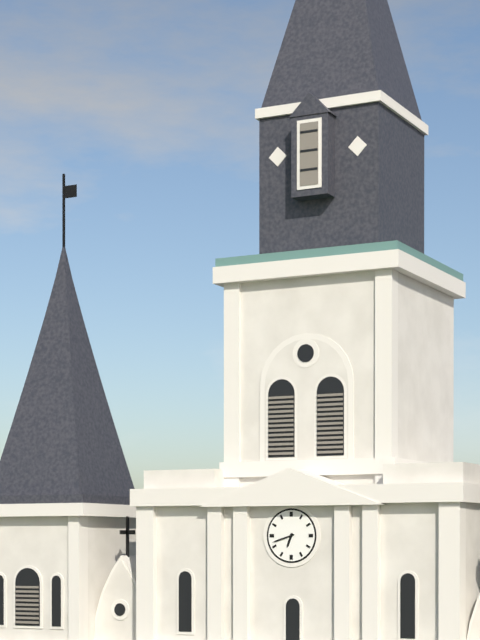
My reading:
{"hour": 6, "minute": 42}
